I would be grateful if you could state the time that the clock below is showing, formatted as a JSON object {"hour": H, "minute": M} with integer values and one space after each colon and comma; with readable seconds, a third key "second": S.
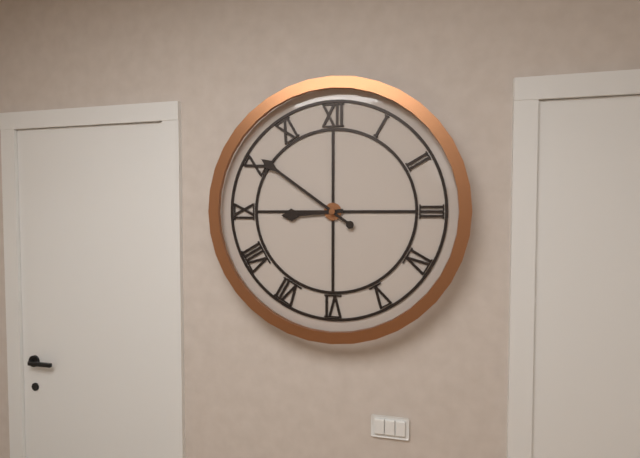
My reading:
{"hour": 8, "minute": 51}
